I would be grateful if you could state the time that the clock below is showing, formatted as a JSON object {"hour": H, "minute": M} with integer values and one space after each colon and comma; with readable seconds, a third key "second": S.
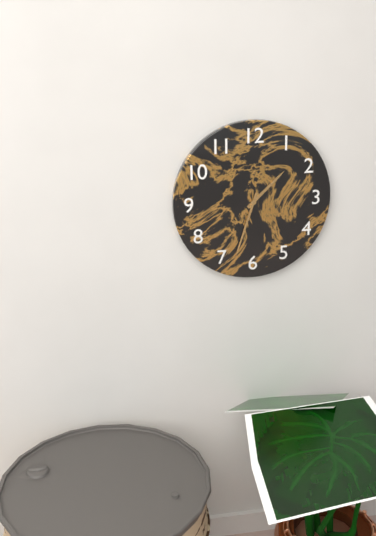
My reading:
{"hour": 1, "minute": 33}
